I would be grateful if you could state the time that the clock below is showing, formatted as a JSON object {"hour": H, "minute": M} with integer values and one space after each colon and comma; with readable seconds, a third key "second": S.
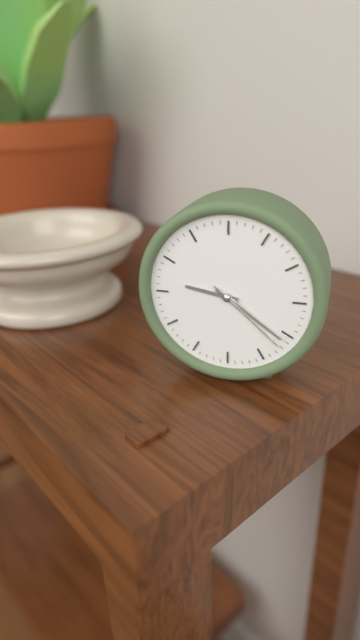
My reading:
{"hour": 9, "minute": 21, "second": 22}
